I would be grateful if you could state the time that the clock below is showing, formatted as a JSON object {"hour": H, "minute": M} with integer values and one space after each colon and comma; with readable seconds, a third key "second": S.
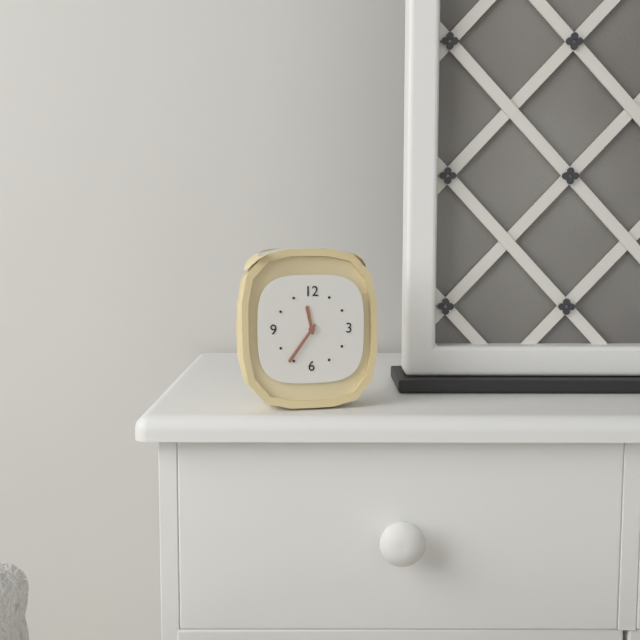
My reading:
{"hour": 11, "minute": 36}
